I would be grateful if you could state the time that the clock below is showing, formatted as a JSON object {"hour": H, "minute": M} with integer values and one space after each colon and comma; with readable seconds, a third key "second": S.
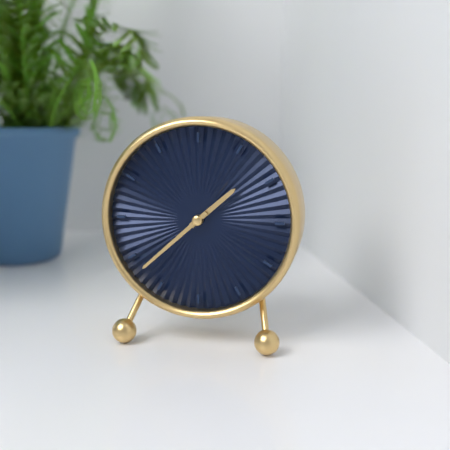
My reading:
{"hour": 1, "minute": 38}
